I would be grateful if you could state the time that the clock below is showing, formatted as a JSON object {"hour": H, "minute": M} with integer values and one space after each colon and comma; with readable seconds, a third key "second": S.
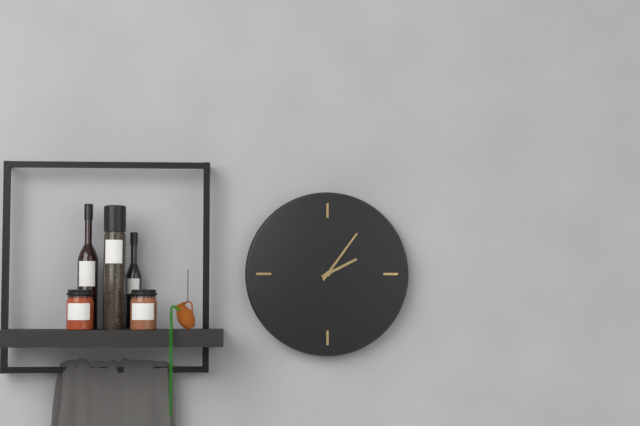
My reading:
{"hour": 2, "minute": 6}
